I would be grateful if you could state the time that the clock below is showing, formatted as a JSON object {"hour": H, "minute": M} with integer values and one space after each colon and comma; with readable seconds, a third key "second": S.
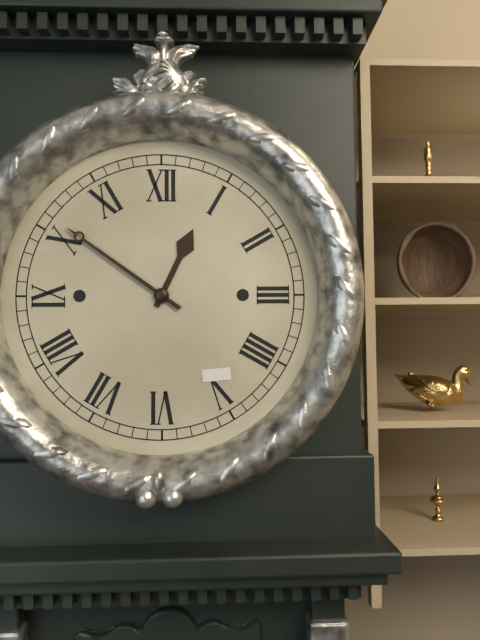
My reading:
{"hour": 12, "minute": 51}
